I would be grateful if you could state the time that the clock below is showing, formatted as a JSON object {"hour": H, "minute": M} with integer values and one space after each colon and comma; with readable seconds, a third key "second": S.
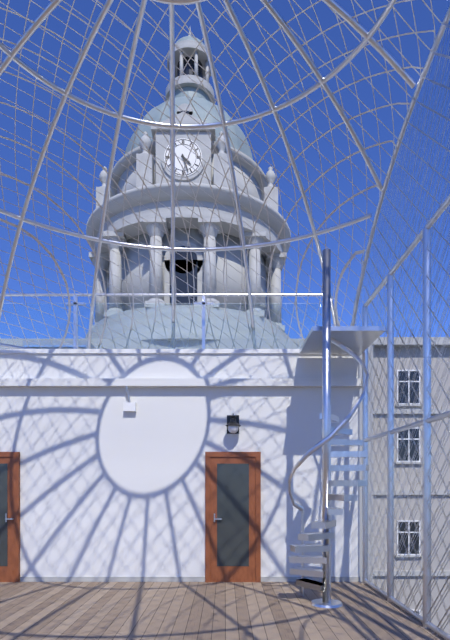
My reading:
{"hour": 4, "minute": 27}
